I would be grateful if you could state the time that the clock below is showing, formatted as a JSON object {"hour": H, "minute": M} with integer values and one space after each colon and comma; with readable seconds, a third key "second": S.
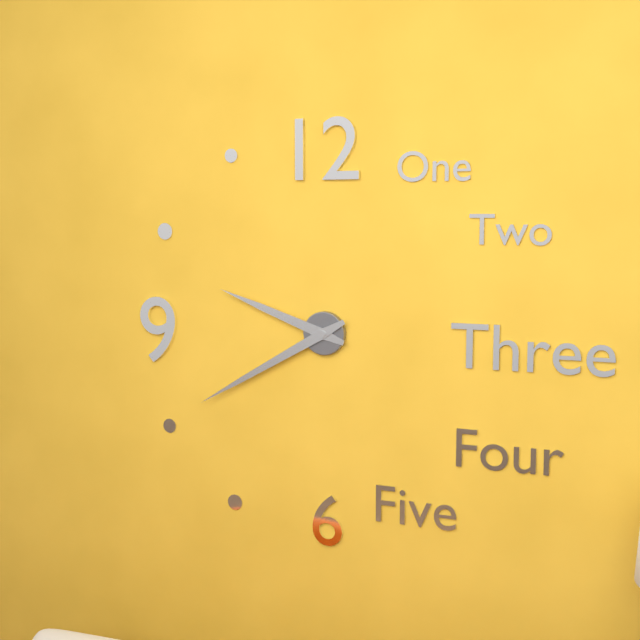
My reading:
{"hour": 9, "minute": 40}
